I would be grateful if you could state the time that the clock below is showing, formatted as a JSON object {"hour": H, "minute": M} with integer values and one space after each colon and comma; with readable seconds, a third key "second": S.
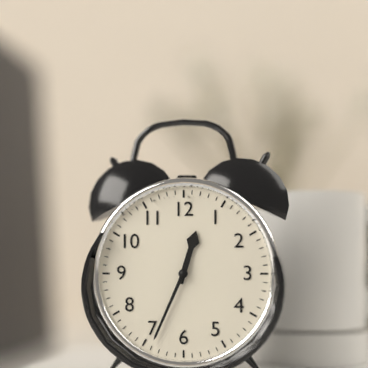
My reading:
{"hour": 12, "minute": 34}
